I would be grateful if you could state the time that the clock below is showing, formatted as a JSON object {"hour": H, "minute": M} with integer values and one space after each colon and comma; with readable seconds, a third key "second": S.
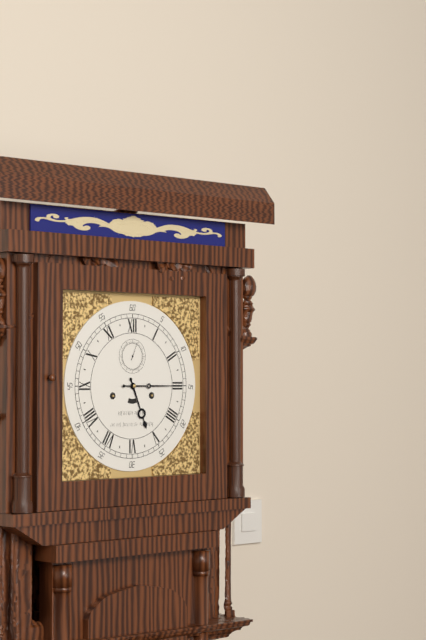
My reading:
{"hour": 5, "minute": 15}
